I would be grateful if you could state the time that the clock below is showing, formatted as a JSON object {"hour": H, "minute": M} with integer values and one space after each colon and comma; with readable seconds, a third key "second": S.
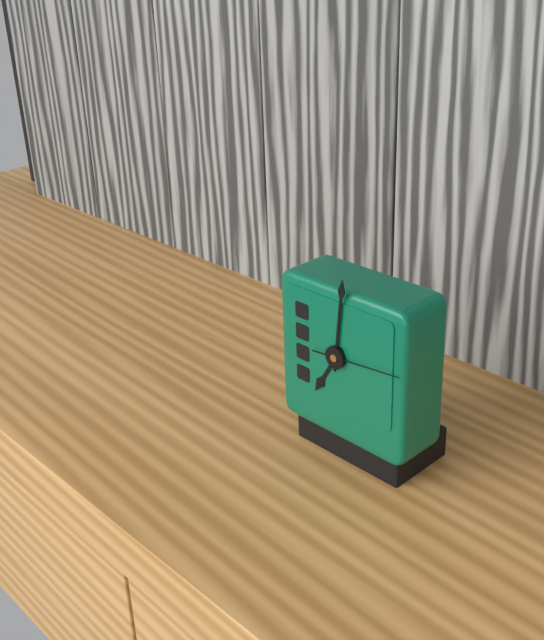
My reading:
{"hour": 7, "minute": 1, "second": 14}
